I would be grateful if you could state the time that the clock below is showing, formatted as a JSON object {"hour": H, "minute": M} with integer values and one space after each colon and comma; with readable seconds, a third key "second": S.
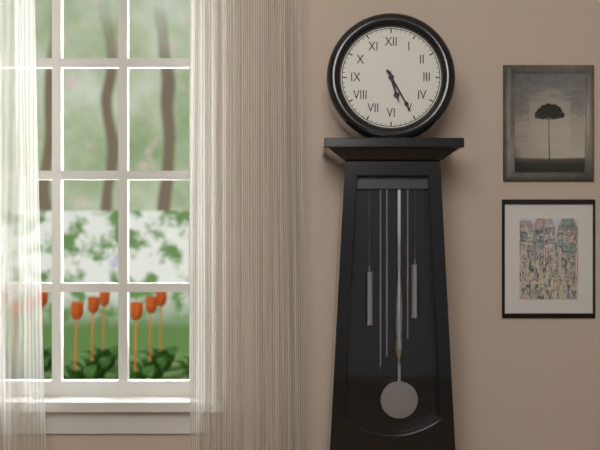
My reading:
{"hour": 5, "minute": 25}
